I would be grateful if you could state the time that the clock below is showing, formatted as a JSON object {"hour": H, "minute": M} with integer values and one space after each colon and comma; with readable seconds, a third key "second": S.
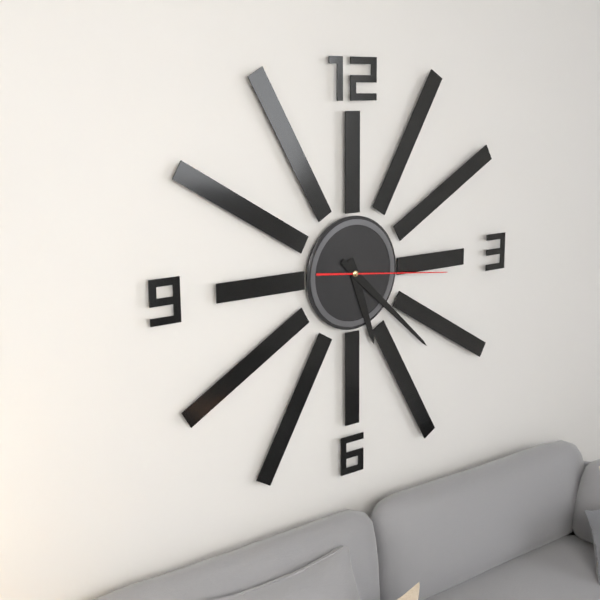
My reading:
{"hour": 5, "minute": 22, "second": 16}
